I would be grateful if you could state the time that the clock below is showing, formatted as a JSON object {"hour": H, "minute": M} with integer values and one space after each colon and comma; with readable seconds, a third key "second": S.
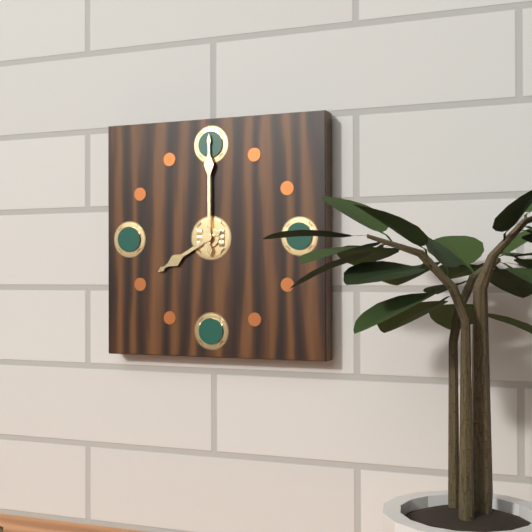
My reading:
{"hour": 8, "minute": 0}
